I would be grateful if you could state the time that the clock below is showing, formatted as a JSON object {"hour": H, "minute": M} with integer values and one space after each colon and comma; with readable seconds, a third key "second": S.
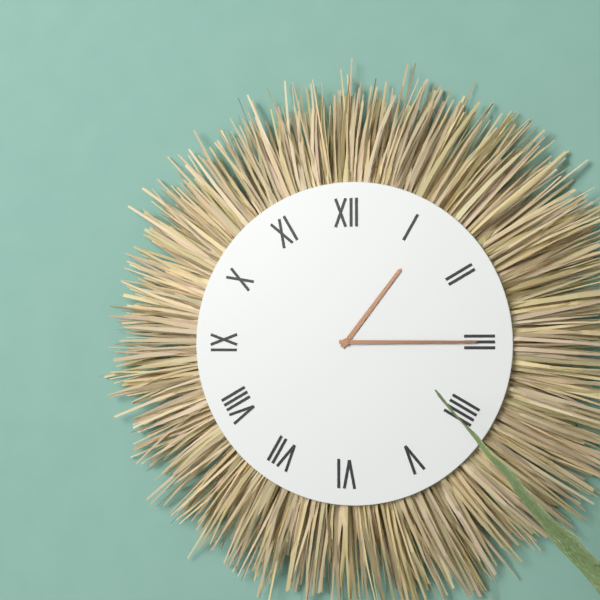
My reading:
{"hour": 1, "minute": 15}
